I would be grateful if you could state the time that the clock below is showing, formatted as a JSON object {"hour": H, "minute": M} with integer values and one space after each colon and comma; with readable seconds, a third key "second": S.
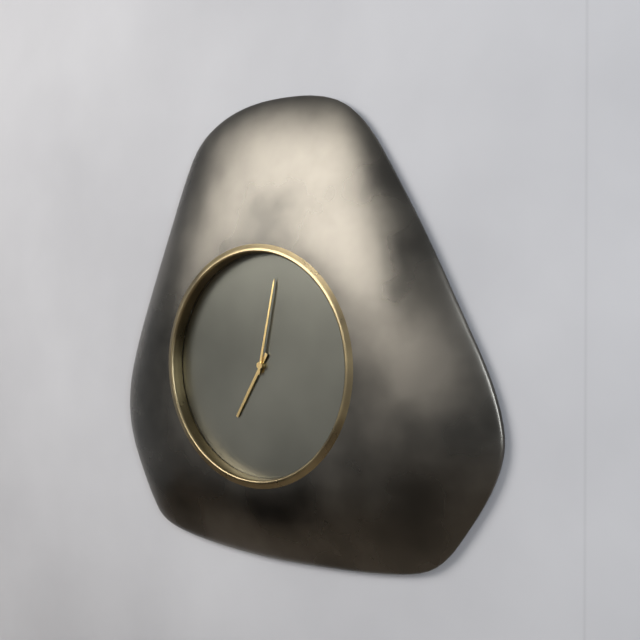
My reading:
{"hour": 7, "minute": 2}
